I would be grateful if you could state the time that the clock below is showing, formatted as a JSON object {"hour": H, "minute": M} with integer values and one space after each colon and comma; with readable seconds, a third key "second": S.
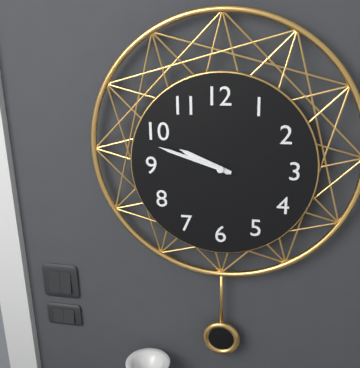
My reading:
{"hour": 9, "minute": 48}
